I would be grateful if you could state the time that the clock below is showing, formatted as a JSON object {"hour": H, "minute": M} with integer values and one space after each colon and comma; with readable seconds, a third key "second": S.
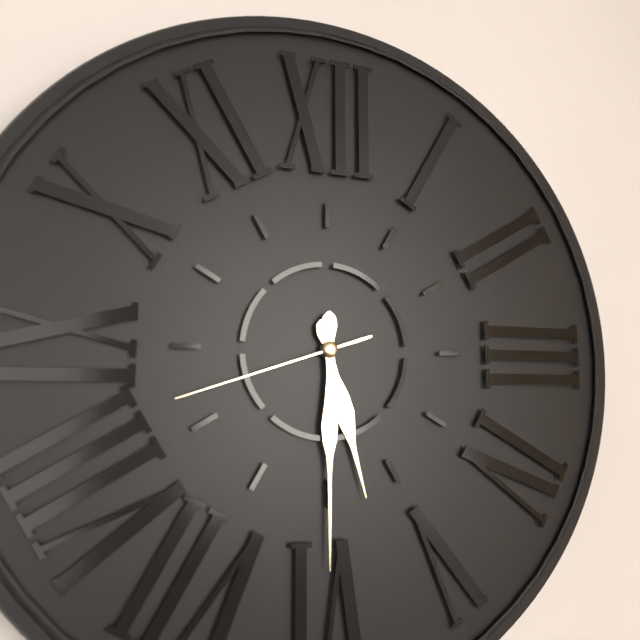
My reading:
{"hour": 5, "minute": 30, "second": 42}
